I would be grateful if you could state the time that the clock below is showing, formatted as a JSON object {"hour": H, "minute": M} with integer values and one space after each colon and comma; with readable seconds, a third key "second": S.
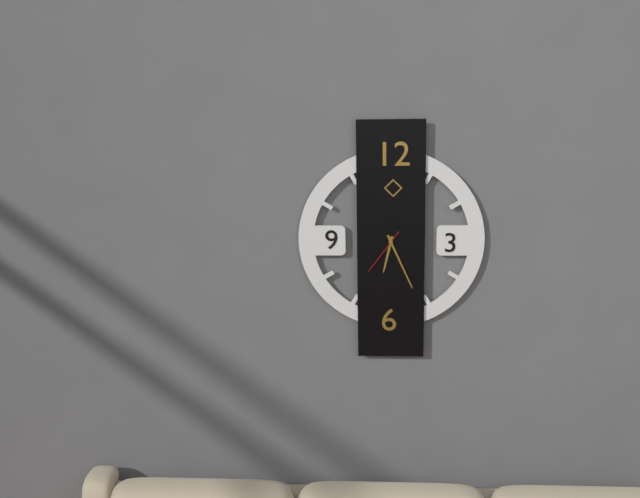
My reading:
{"hour": 6, "minute": 26}
